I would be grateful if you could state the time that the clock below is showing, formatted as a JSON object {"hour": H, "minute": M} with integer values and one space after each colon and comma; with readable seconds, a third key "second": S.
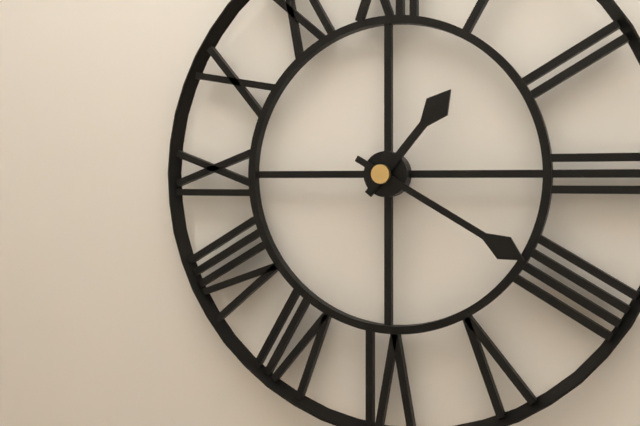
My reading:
{"hour": 1, "minute": 20}
